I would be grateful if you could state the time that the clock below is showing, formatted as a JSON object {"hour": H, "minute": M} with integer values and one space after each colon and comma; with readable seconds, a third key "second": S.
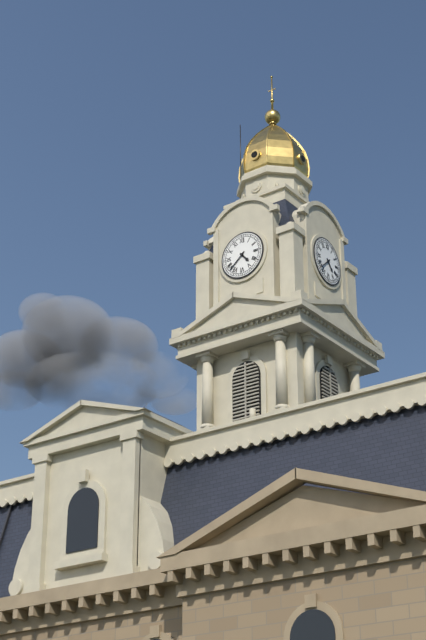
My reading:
{"hour": 4, "minute": 38}
